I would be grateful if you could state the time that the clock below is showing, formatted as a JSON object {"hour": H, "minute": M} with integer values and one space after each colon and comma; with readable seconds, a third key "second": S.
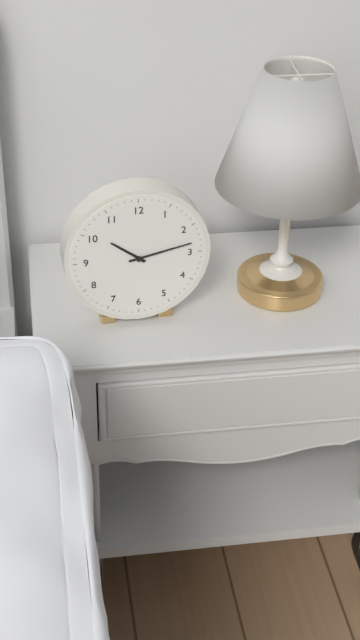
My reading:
{"hour": 10, "minute": 13}
